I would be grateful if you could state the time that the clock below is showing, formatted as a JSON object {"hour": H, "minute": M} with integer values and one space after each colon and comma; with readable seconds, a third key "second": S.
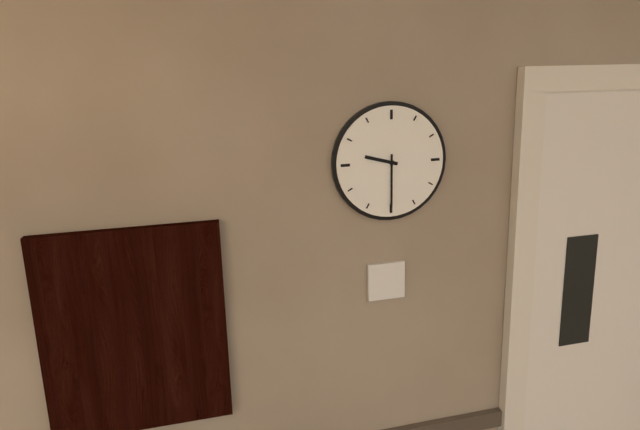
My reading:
{"hour": 9, "minute": 30}
